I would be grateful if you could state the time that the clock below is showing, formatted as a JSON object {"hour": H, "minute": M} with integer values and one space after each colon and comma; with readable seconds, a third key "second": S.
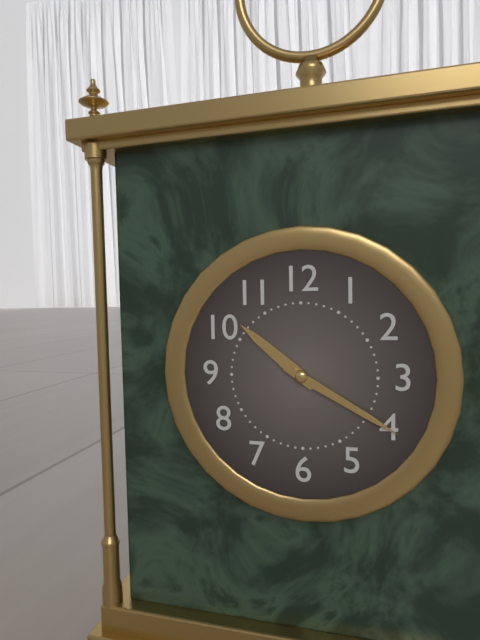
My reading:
{"hour": 10, "minute": 20}
